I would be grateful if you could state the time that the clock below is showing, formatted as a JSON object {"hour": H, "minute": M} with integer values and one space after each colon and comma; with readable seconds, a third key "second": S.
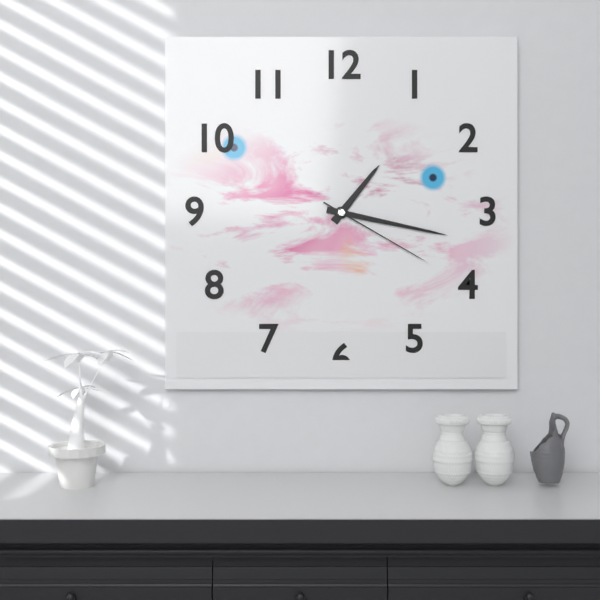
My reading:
{"hour": 1, "minute": 17, "second": 20}
